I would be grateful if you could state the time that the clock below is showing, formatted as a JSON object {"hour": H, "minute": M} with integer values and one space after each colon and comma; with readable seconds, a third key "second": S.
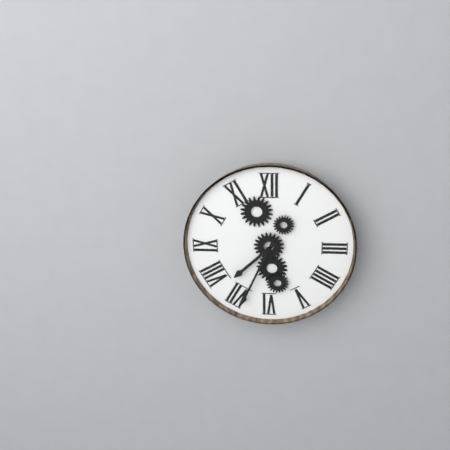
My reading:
{"hour": 7, "minute": 34}
